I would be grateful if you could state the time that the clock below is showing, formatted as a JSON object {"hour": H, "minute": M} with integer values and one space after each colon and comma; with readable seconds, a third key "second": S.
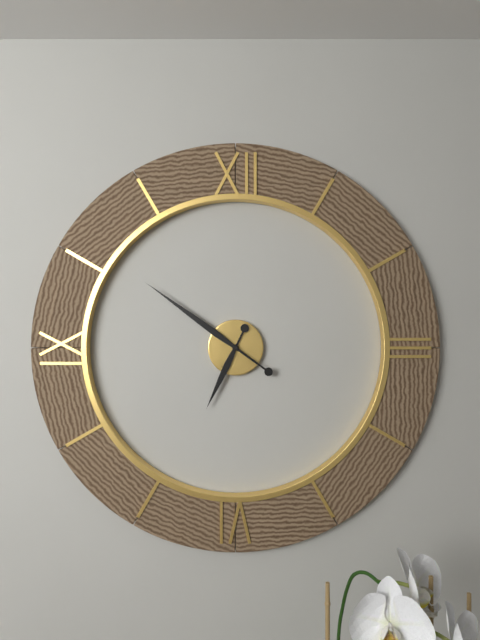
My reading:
{"hour": 6, "minute": 51}
